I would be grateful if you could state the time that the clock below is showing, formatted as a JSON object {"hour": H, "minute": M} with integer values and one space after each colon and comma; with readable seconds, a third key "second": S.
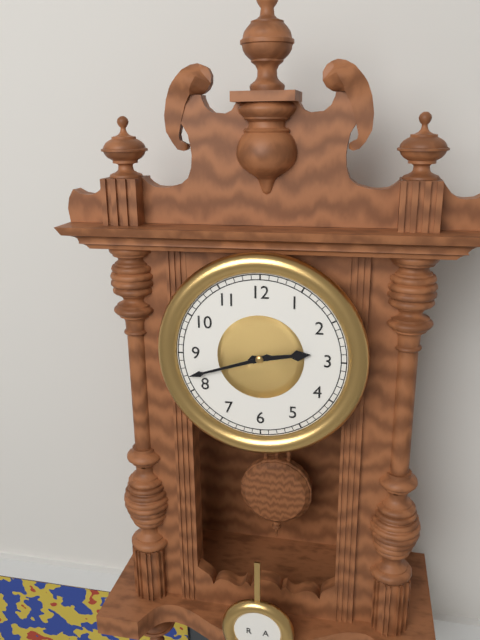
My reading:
{"hour": 2, "minute": 42}
